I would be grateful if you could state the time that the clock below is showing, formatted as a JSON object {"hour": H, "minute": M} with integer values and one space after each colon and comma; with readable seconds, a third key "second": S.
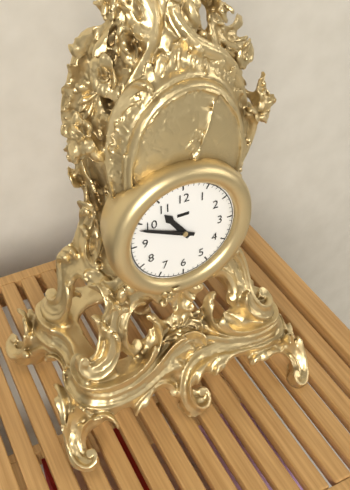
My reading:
{"hour": 10, "minute": 49}
